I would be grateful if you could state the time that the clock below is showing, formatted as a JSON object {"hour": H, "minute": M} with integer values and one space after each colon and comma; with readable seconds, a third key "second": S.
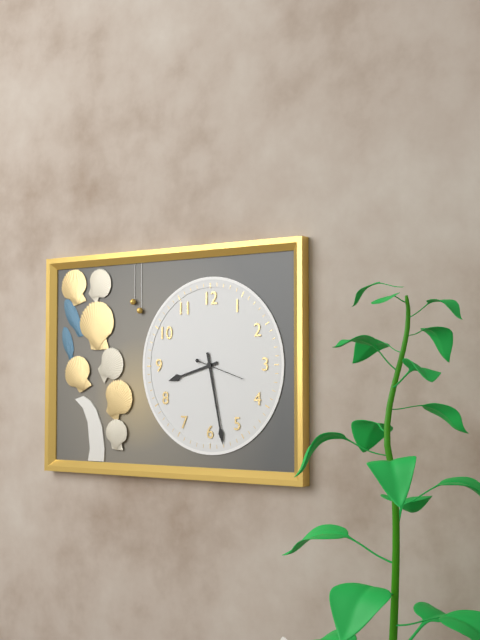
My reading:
{"hour": 8, "minute": 28}
